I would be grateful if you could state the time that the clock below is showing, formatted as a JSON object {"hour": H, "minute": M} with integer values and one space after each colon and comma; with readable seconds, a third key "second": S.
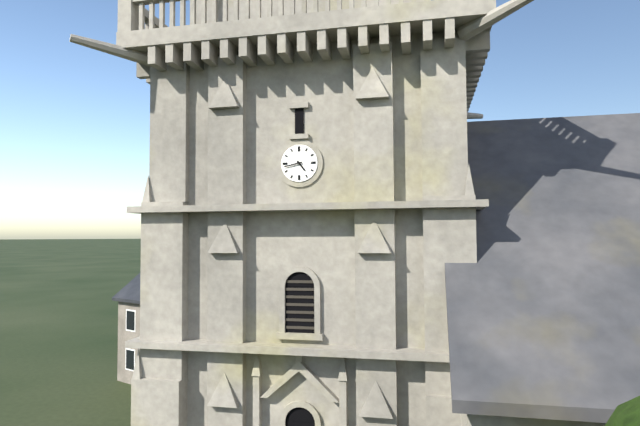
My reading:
{"hour": 4, "minute": 43}
